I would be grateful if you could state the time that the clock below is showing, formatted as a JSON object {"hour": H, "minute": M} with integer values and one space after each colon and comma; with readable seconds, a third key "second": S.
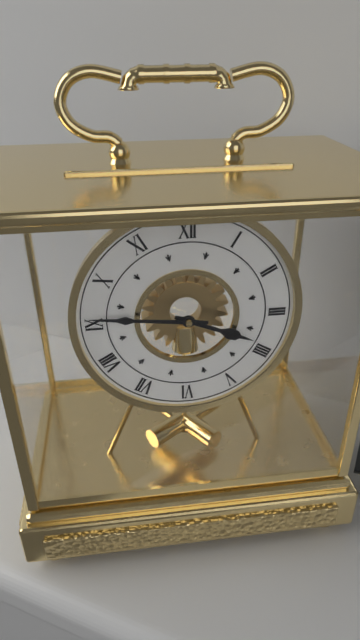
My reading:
{"hour": 3, "minute": 46}
